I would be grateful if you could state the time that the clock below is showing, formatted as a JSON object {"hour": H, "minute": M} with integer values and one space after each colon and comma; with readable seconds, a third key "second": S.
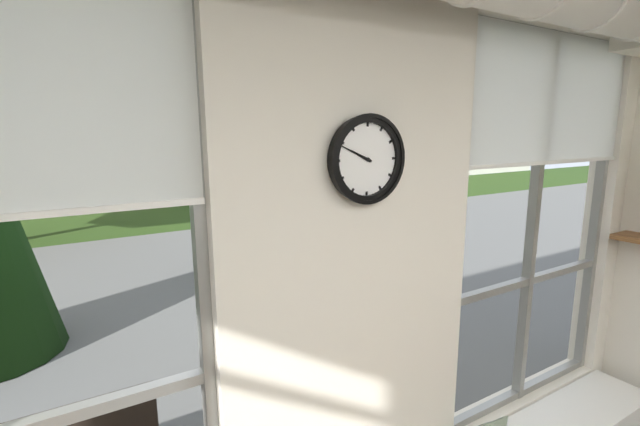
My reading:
{"hour": 9, "minute": 49}
